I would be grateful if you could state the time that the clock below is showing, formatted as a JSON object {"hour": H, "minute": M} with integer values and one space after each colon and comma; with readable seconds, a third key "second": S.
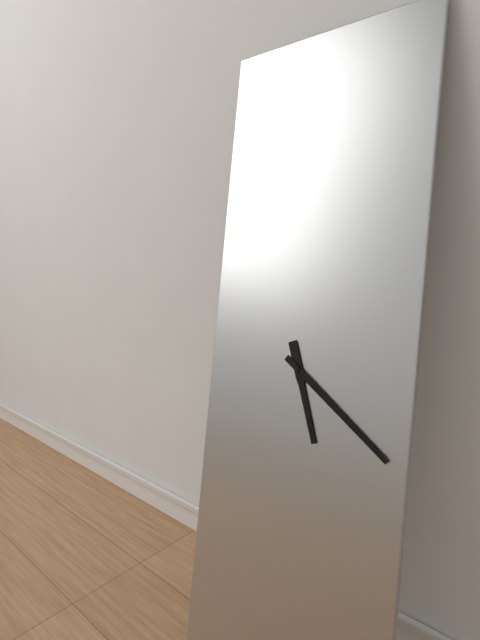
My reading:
{"hour": 5, "minute": 21}
